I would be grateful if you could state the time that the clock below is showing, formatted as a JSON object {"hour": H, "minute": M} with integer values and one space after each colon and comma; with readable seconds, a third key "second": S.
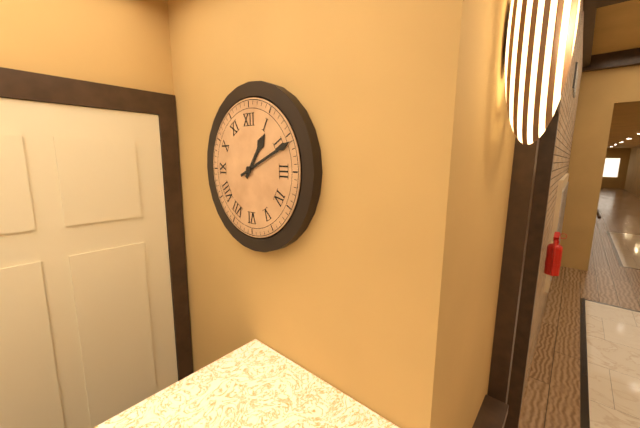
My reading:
{"hour": 1, "minute": 11}
